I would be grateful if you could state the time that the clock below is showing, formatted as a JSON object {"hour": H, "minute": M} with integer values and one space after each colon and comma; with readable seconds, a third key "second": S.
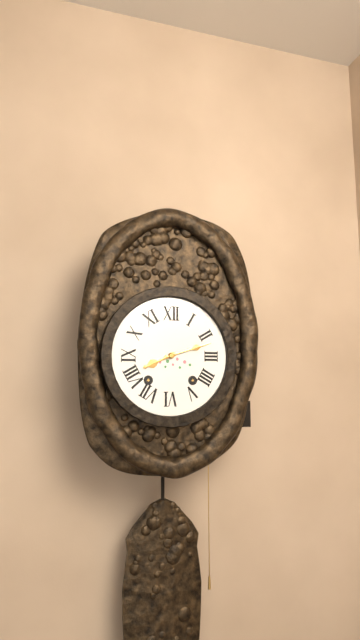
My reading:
{"hour": 8, "minute": 12}
